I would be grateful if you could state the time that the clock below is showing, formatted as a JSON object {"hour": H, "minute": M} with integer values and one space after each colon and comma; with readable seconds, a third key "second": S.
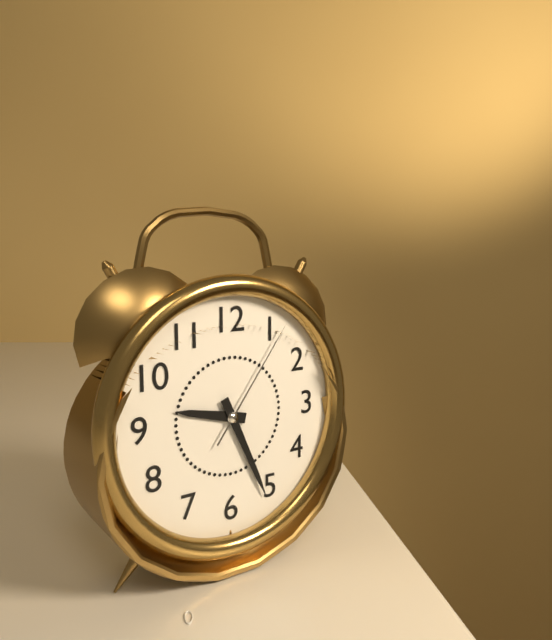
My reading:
{"hour": 9, "minute": 26, "second": 6}
